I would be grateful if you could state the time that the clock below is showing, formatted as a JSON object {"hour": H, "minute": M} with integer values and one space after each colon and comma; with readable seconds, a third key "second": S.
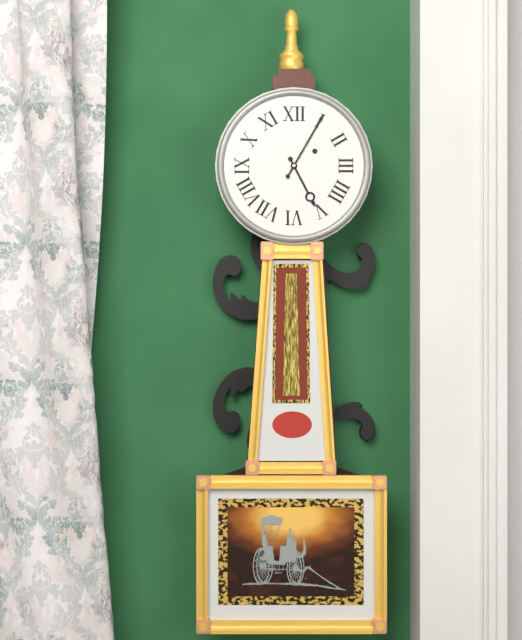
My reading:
{"hour": 5, "minute": 5}
